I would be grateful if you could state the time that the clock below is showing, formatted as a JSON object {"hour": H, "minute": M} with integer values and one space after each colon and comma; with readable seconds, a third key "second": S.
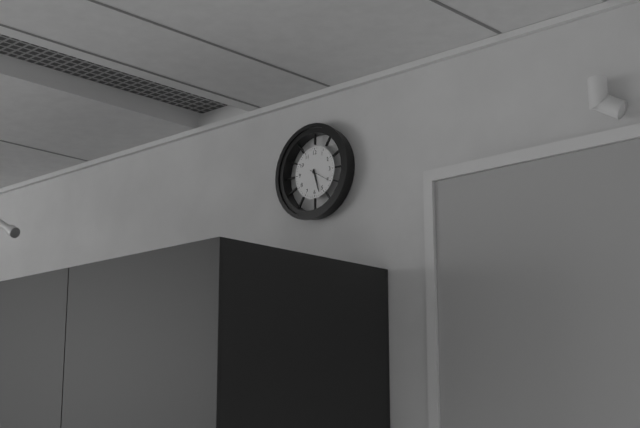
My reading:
{"hour": 5, "minute": 27}
